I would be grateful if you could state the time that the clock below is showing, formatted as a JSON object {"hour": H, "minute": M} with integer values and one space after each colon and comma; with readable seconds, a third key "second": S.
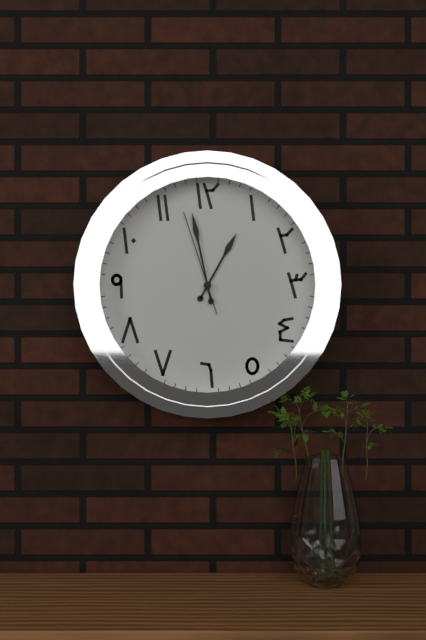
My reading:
{"hour": 12, "minute": 58, "second": 57}
